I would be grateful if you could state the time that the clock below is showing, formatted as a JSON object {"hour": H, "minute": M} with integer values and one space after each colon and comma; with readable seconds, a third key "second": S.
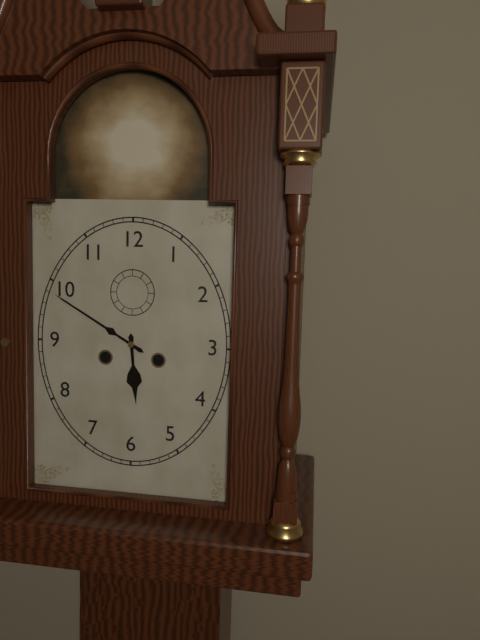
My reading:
{"hour": 5, "minute": 50}
